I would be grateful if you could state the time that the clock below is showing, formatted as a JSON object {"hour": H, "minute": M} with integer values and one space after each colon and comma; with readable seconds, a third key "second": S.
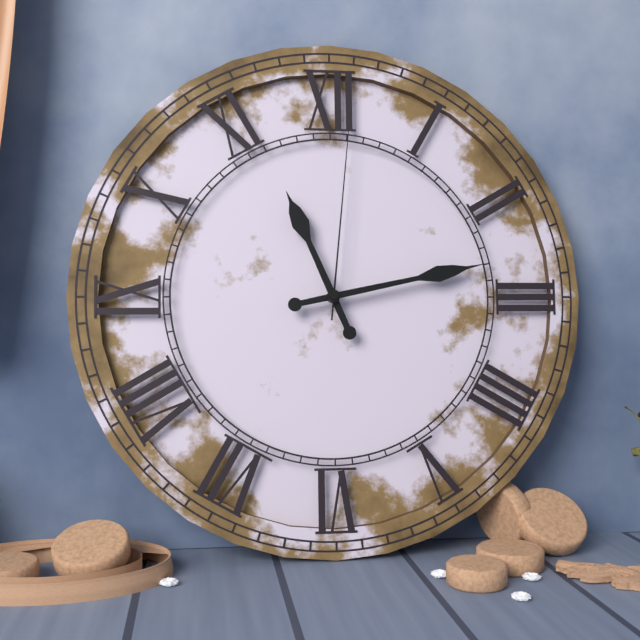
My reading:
{"hour": 11, "minute": 13, "second": 1}
